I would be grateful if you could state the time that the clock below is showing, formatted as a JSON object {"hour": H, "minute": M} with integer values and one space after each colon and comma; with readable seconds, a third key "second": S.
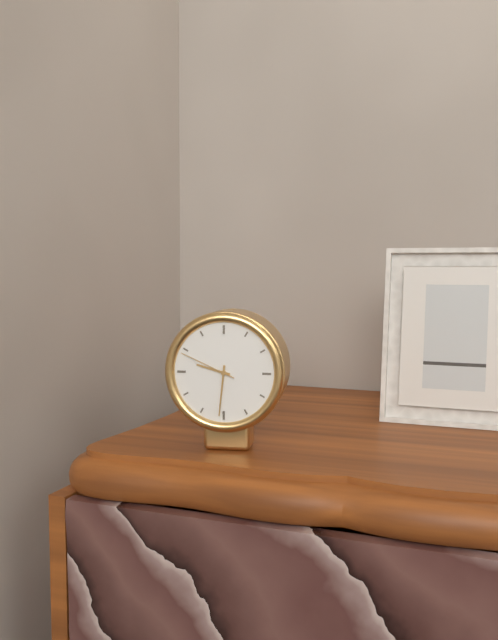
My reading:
{"hour": 9, "minute": 31, "second": 49}
